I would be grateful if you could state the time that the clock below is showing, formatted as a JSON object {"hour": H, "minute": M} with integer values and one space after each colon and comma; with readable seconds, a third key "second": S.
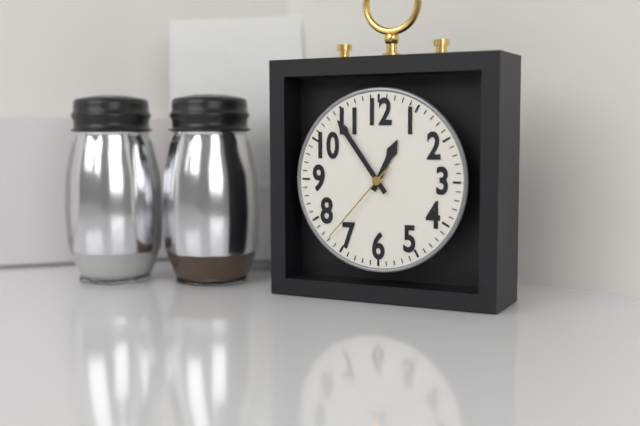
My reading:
{"hour": 12, "minute": 54, "second": 37}
